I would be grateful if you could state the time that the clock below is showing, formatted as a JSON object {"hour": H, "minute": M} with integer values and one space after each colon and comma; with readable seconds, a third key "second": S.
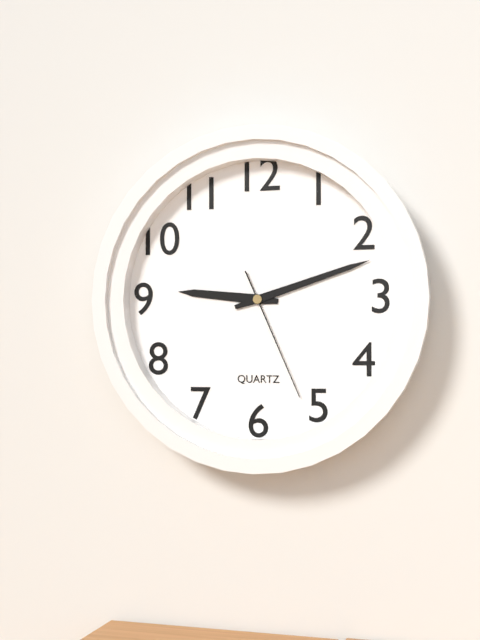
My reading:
{"hour": 9, "minute": 12, "second": 26}
